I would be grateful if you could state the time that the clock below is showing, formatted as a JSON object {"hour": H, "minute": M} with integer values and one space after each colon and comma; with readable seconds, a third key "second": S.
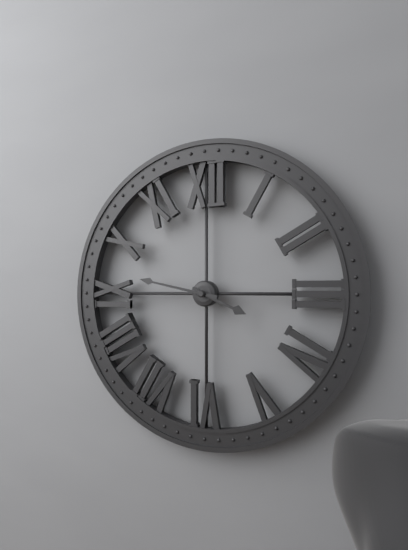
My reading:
{"hour": 3, "minute": 47}
